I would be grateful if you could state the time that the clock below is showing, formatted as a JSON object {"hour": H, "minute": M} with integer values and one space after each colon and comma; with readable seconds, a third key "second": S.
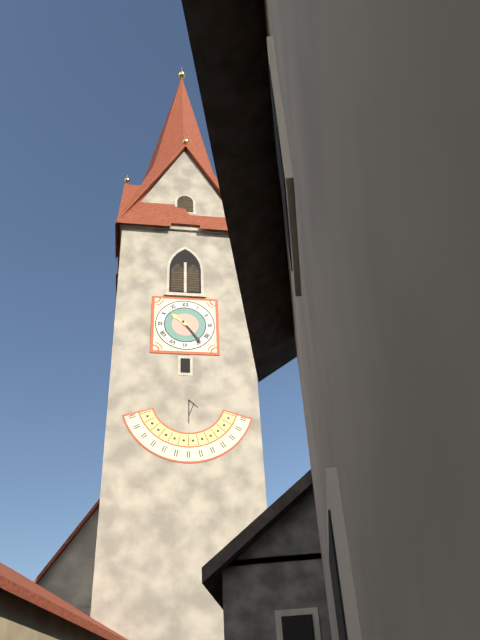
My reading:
{"hour": 10, "minute": 24}
